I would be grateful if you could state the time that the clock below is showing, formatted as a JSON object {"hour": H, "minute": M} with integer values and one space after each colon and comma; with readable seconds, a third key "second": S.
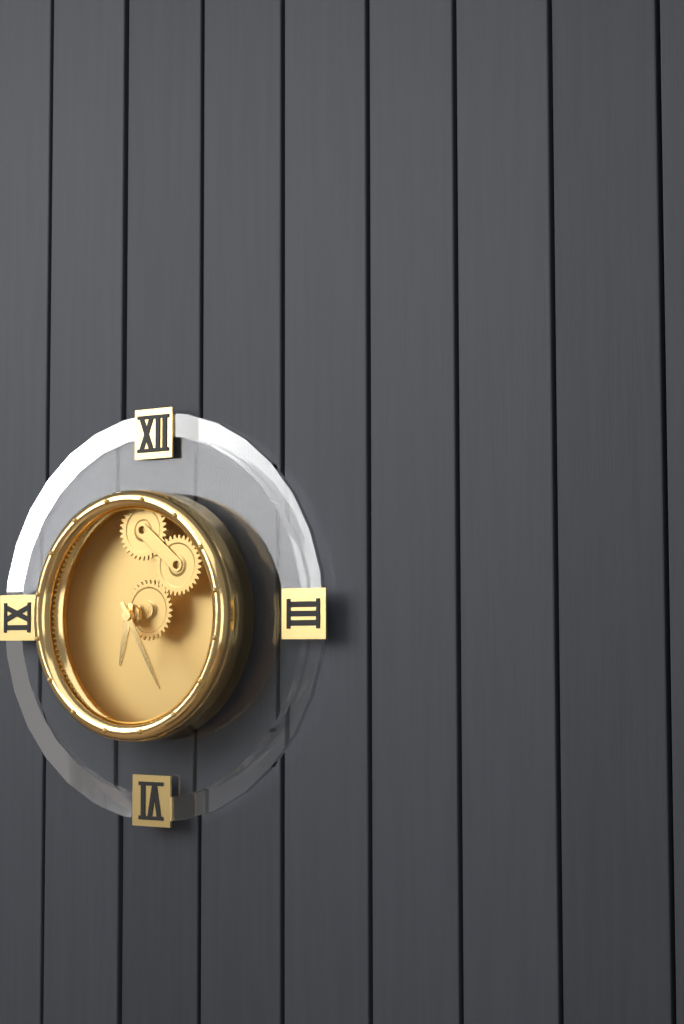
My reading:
{"hour": 6, "minute": 25}
